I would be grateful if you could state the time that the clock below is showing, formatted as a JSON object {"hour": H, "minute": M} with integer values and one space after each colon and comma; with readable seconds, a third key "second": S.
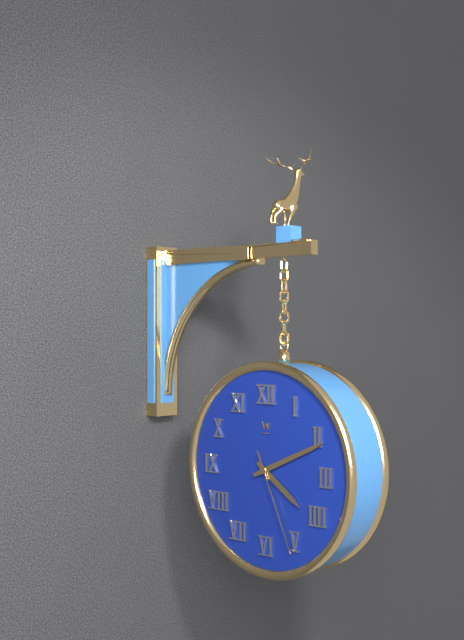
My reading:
{"hour": 4, "minute": 11, "second": 26}
